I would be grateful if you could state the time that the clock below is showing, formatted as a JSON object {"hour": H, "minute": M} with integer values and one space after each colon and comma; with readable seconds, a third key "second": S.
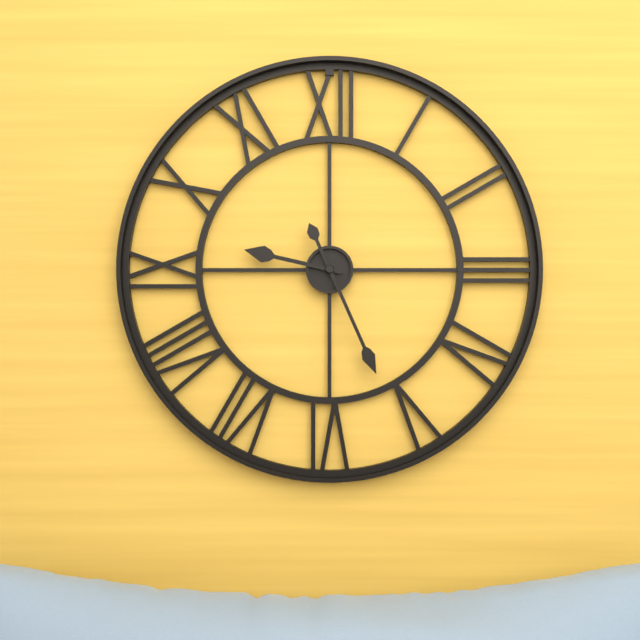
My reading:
{"hour": 9, "minute": 26}
